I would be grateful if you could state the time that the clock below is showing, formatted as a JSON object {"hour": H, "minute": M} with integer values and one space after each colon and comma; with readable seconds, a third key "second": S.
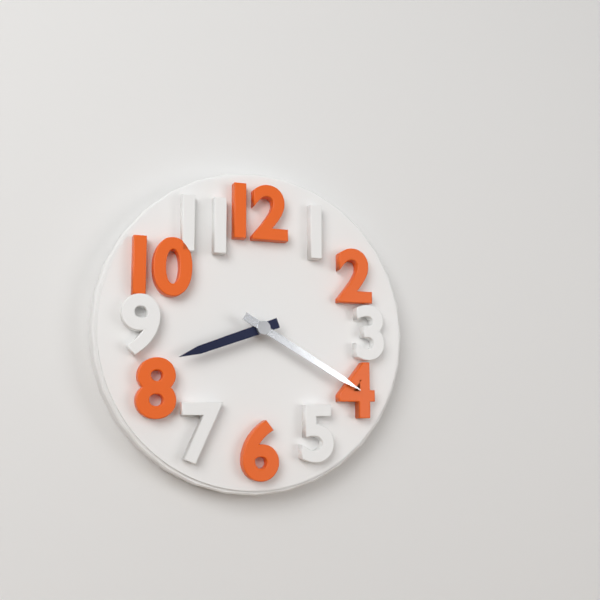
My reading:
{"hour": 8, "minute": 20}
